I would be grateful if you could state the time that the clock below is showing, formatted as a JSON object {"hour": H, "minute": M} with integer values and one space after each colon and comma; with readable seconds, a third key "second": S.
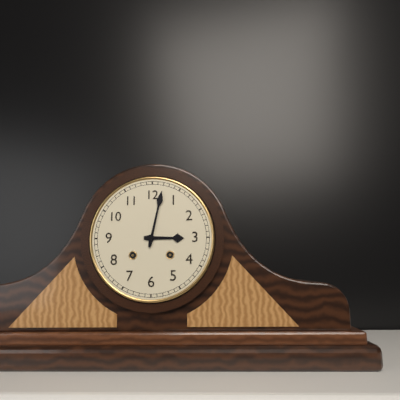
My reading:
{"hour": 3, "minute": 2}
